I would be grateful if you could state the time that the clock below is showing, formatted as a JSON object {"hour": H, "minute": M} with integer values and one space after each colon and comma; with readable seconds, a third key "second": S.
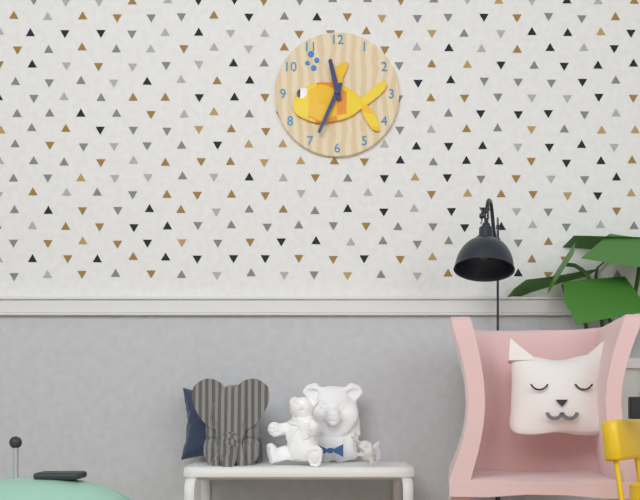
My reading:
{"hour": 11, "minute": 34}
